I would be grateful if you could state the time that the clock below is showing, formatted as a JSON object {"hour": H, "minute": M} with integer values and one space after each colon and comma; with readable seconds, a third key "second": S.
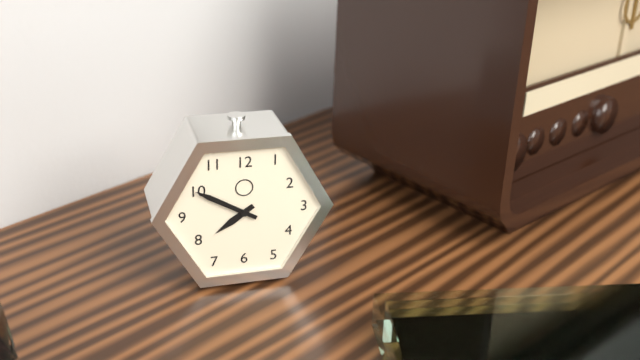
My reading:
{"hour": 7, "minute": 50}
